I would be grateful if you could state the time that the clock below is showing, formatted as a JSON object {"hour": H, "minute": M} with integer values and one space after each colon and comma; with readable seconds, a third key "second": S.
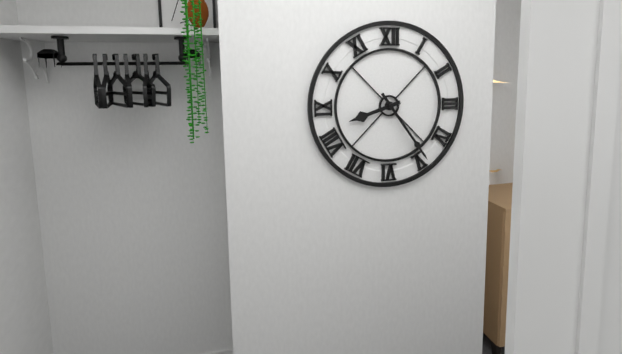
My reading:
{"hour": 8, "minute": 24}
